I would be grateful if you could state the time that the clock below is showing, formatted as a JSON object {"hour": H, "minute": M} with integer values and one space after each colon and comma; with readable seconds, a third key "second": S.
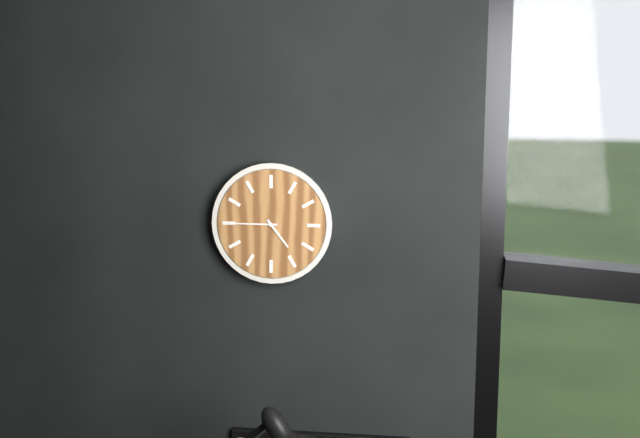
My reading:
{"hour": 4, "minute": 45}
